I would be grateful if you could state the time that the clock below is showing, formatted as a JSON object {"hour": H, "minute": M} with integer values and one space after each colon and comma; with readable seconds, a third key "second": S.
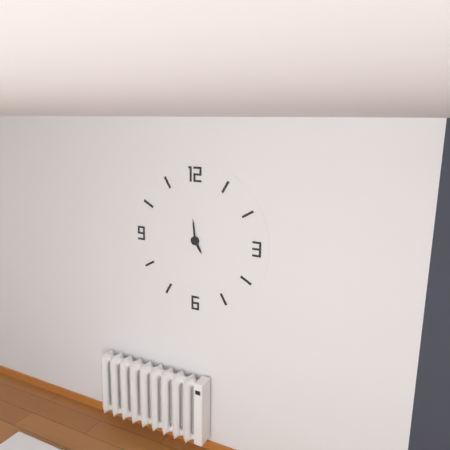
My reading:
{"hour": 4, "minute": 59}
